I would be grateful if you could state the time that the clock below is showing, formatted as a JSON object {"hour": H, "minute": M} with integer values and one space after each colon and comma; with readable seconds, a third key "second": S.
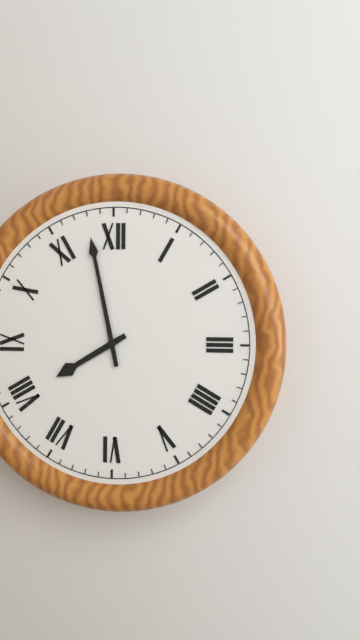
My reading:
{"hour": 7, "minute": 58}
